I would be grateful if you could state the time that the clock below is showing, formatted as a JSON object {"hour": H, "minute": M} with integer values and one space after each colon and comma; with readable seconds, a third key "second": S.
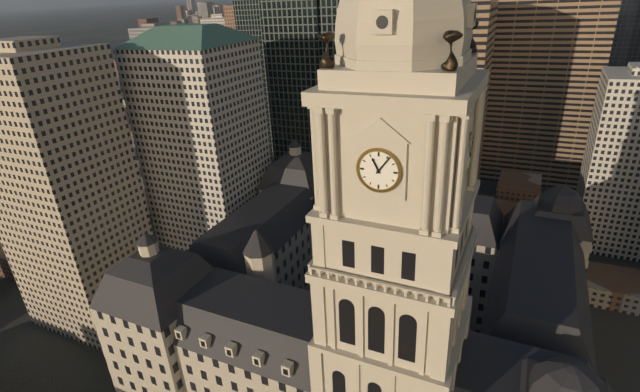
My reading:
{"hour": 11, "minute": 6}
